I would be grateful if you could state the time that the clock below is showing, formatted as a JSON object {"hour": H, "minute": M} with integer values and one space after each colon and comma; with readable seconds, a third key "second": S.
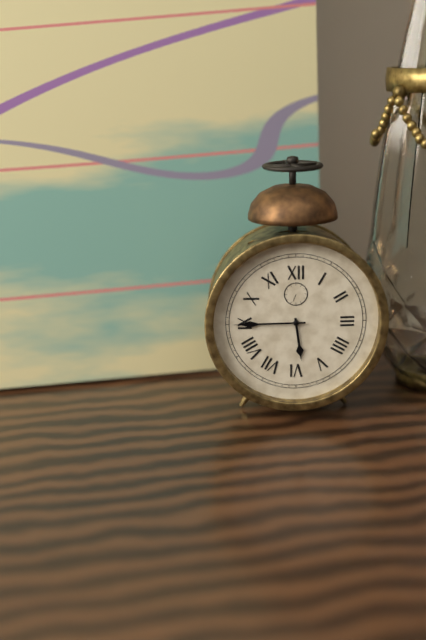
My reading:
{"hour": 5, "minute": 45}
